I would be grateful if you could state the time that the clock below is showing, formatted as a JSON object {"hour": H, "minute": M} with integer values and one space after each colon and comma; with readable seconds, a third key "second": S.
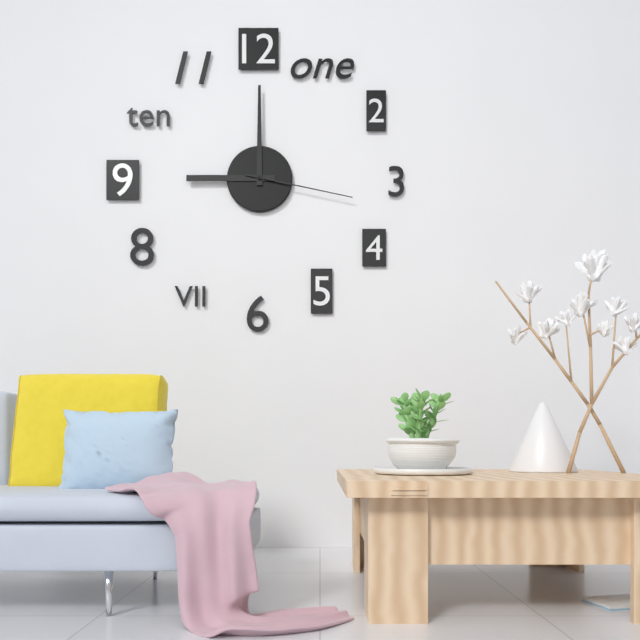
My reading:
{"hour": 9, "minute": 0, "second": 17}
